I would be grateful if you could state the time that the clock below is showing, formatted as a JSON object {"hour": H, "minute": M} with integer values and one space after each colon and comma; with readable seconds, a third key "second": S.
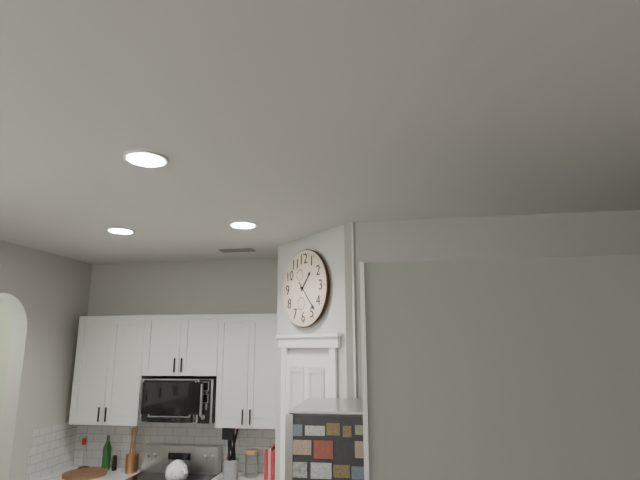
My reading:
{"hour": 1, "minute": 23}
